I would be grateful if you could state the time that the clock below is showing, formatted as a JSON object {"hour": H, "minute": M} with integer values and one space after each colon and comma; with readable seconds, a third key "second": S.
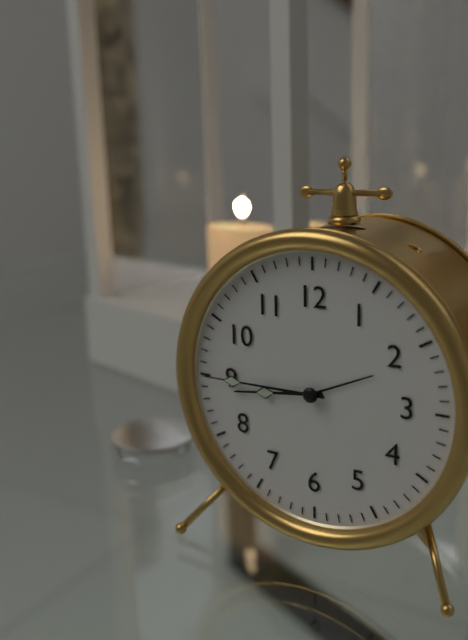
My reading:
{"hour": 8, "minute": 45}
